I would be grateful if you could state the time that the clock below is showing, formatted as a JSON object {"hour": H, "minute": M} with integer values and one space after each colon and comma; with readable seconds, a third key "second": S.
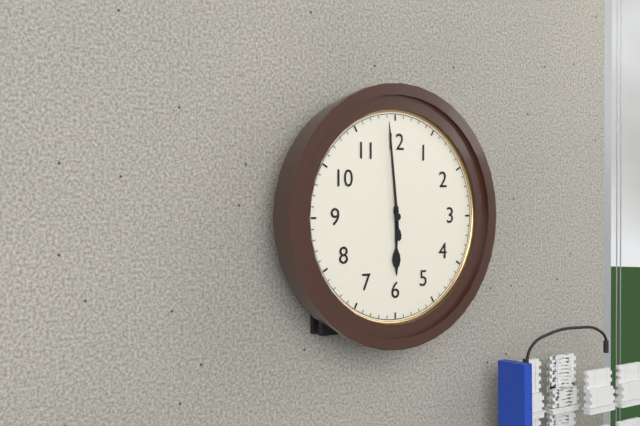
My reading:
{"hour": 5, "minute": 59}
